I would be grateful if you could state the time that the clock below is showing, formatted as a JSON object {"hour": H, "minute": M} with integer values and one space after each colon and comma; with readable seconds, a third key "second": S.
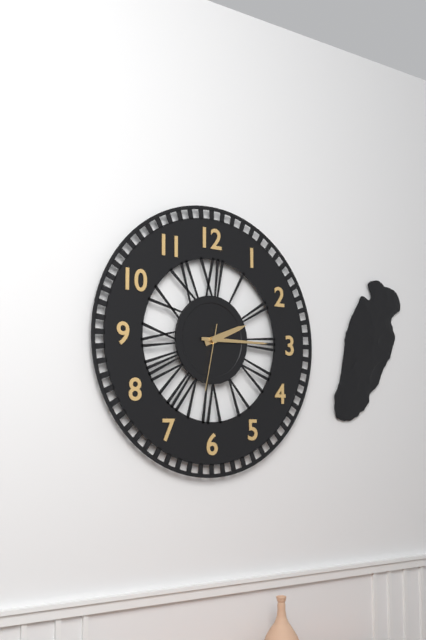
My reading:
{"hour": 2, "minute": 15, "second": 32}
